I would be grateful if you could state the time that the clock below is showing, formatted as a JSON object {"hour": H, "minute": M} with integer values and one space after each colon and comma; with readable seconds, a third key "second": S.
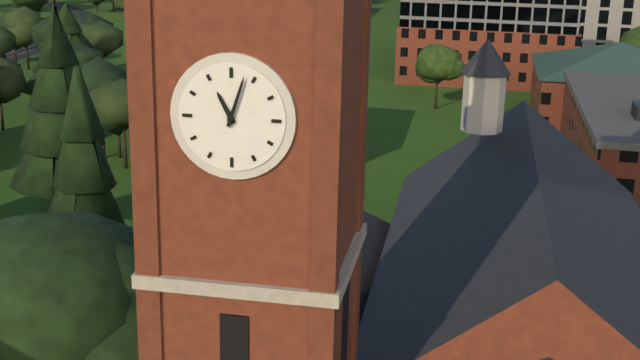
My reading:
{"hour": 11, "minute": 3}
